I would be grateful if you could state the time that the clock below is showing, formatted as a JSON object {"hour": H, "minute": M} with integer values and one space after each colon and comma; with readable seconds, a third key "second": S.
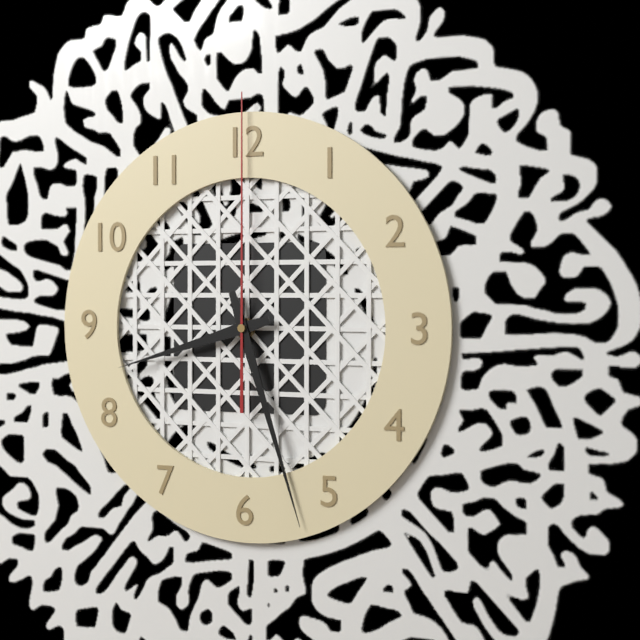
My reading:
{"hour": 8, "minute": 27, "second": 0}
